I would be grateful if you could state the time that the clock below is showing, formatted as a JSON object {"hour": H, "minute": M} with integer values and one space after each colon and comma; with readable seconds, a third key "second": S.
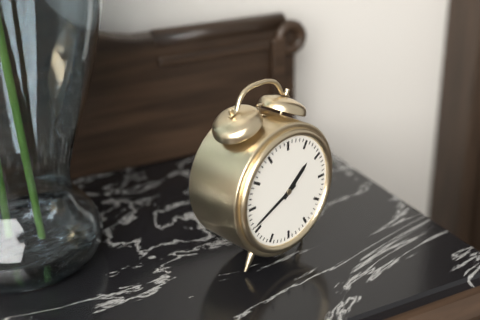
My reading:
{"hour": 1, "minute": 41}
